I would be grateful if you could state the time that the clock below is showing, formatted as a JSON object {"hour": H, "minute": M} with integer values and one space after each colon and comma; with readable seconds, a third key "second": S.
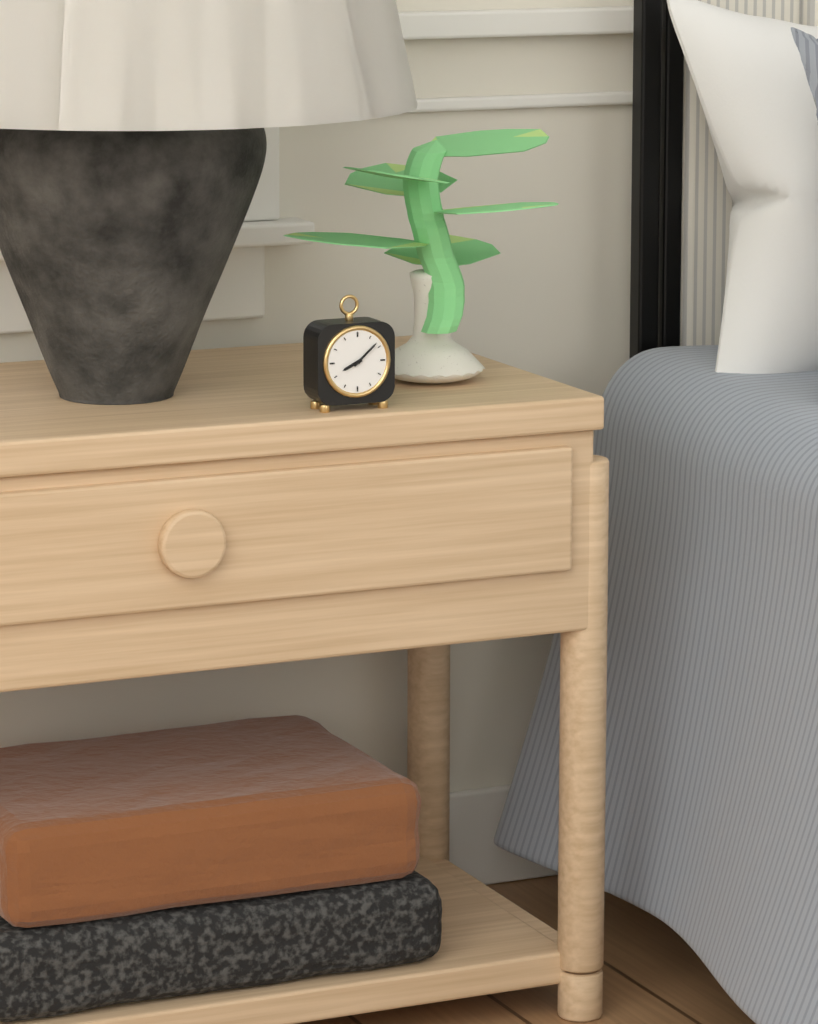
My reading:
{"hour": 8, "minute": 8}
